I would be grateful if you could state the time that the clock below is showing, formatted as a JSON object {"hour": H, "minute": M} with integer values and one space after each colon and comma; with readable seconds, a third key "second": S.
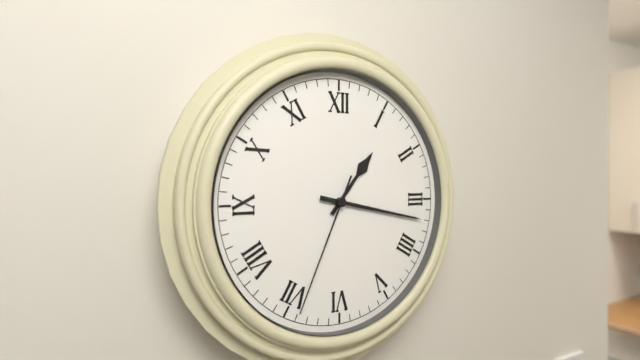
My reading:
{"hour": 1, "minute": 17, "second": 34}
